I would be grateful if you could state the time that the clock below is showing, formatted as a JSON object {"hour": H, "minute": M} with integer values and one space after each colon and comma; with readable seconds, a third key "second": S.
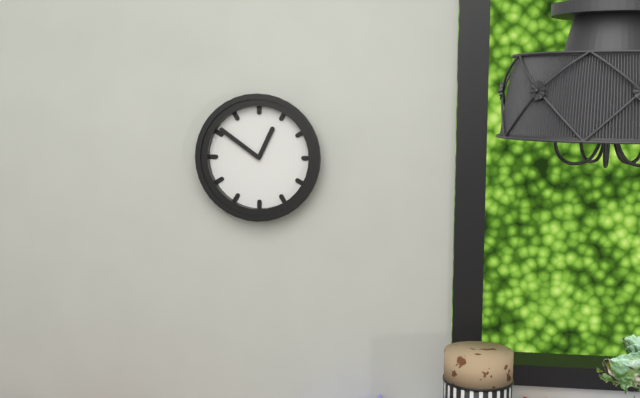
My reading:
{"hour": 12, "minute": 51}
